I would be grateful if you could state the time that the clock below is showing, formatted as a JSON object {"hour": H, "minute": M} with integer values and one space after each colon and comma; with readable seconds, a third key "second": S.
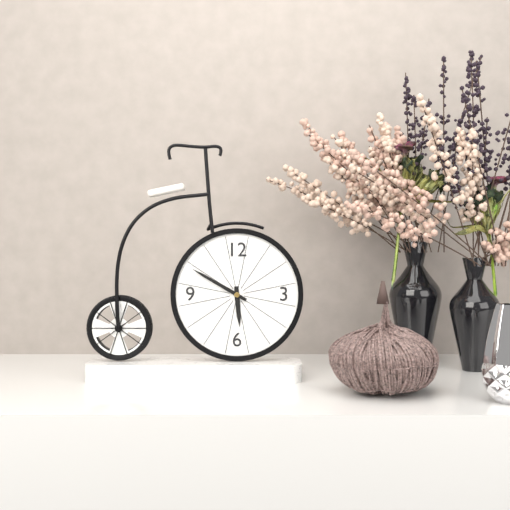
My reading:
{"hour": 5, "minute": 50}
